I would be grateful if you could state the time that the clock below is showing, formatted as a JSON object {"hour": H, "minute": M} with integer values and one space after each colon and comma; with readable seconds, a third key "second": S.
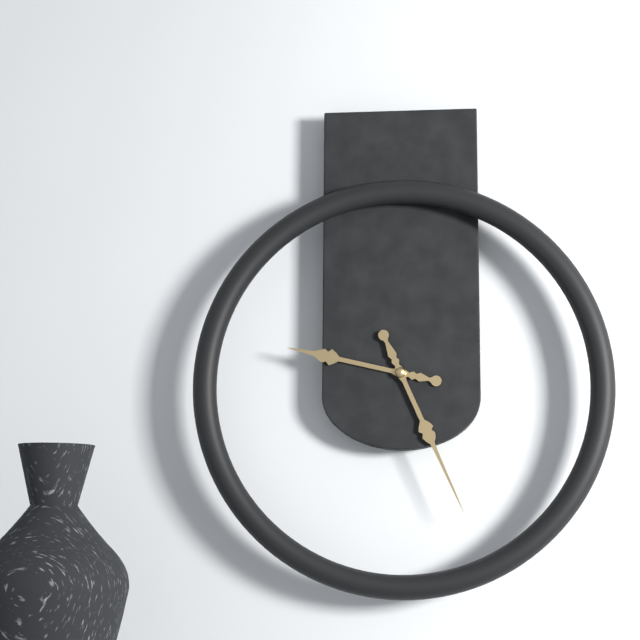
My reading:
{"hour": 9, "minute": 26}
